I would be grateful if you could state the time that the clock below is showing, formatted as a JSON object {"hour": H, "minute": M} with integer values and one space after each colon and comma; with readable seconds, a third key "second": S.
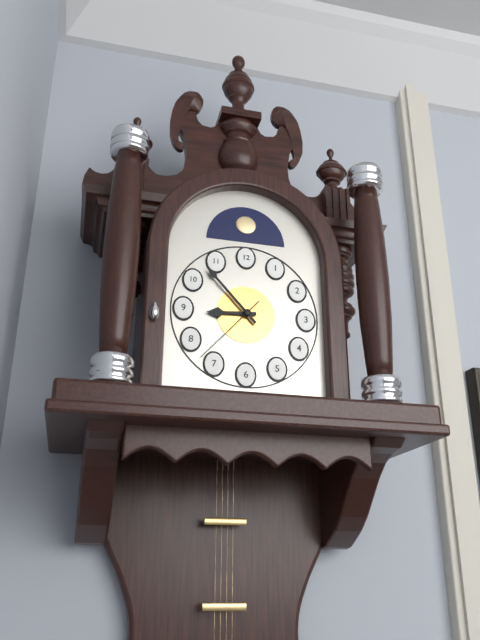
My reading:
{"hour": 8, "minute": 53, "second": 37}
